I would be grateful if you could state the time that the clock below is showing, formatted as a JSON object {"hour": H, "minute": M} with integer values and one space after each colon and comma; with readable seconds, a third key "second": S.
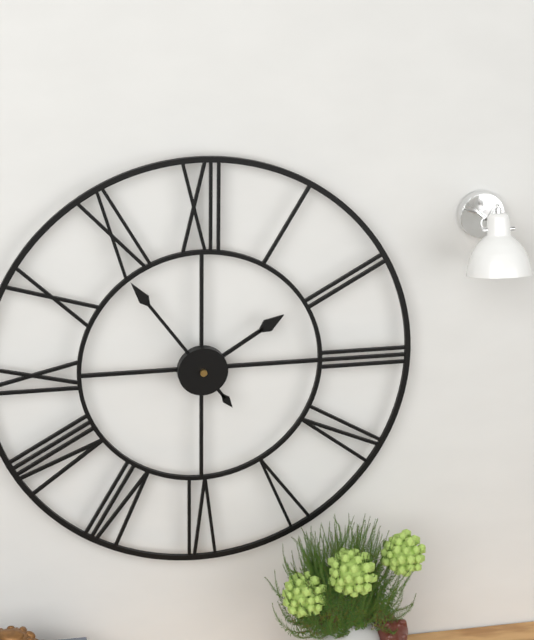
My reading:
{"hour": 1, "minute": 54}
